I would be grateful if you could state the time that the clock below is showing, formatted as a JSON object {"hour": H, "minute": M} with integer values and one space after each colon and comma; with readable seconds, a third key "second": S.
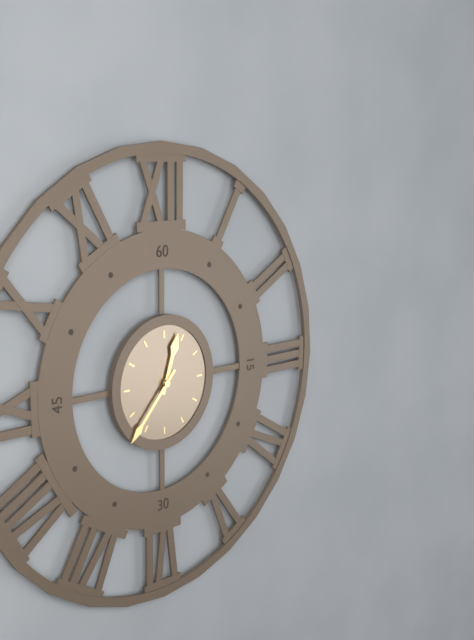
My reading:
{"hour": 12, "minute": 37}
